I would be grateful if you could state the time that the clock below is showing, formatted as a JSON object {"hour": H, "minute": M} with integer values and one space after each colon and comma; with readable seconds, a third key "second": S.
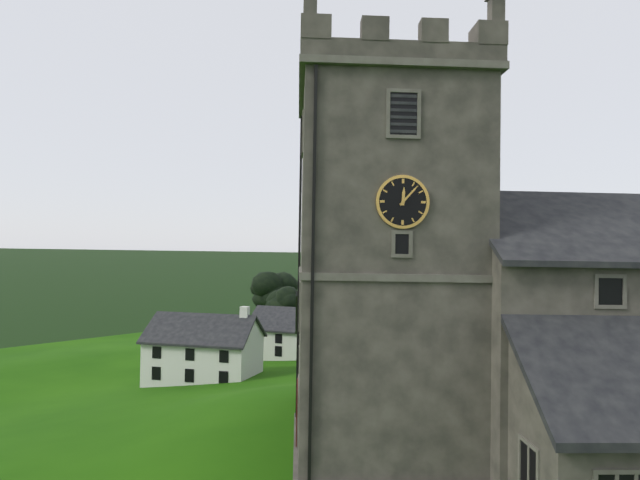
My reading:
{"hour": 12, "minute": 7}
